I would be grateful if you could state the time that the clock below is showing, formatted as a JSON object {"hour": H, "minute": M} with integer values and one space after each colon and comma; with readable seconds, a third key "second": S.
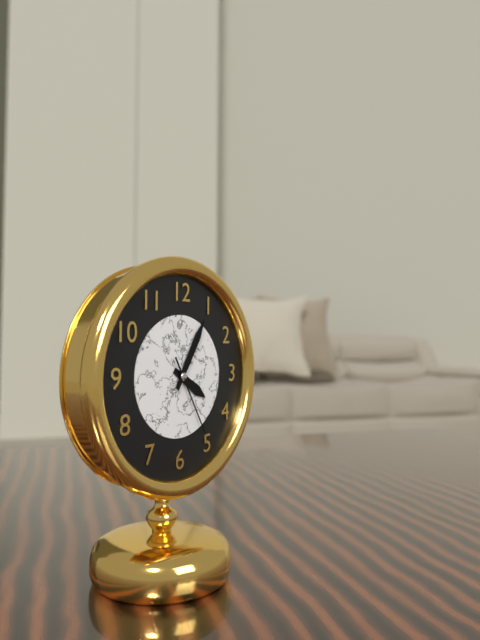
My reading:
{"hour": 4, "minute": 5, "second": 25}
